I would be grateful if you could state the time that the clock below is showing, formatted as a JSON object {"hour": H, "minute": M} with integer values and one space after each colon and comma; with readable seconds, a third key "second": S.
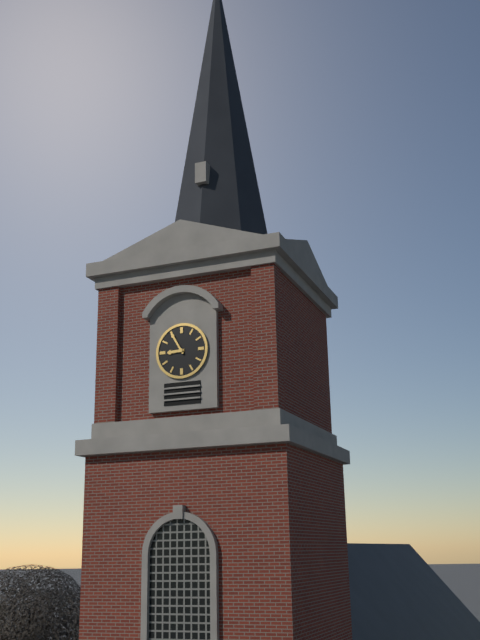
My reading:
{"hour": 8, "minute": 55}
